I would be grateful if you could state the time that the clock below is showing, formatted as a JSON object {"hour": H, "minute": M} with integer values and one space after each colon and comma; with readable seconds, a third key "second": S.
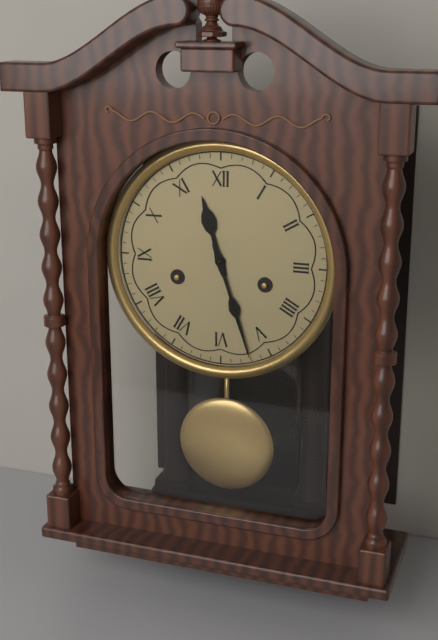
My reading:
{"hour": 11, "minute": 27}
